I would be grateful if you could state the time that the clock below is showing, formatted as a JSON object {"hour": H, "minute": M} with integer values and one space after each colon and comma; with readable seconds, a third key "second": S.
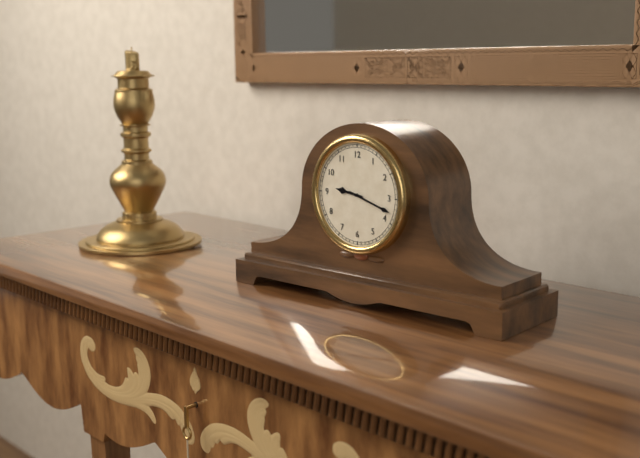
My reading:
{"hour": 9, "minute": 18}
